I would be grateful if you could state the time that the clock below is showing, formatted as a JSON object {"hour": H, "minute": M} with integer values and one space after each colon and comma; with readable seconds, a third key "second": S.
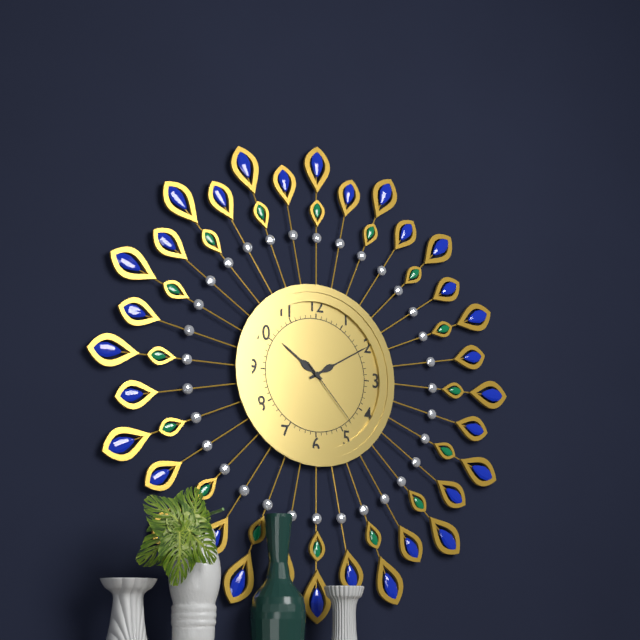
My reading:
{"hour": 10, "minute": 10, "second": 23}
